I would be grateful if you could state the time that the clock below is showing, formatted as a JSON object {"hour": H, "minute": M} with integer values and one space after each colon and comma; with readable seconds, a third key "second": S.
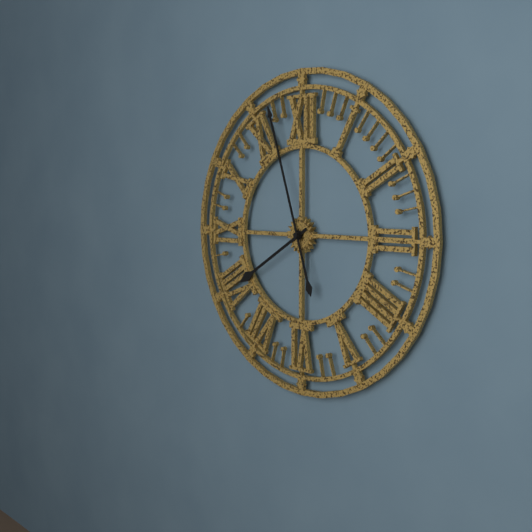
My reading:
{"hour": 7, "minute": 57}
